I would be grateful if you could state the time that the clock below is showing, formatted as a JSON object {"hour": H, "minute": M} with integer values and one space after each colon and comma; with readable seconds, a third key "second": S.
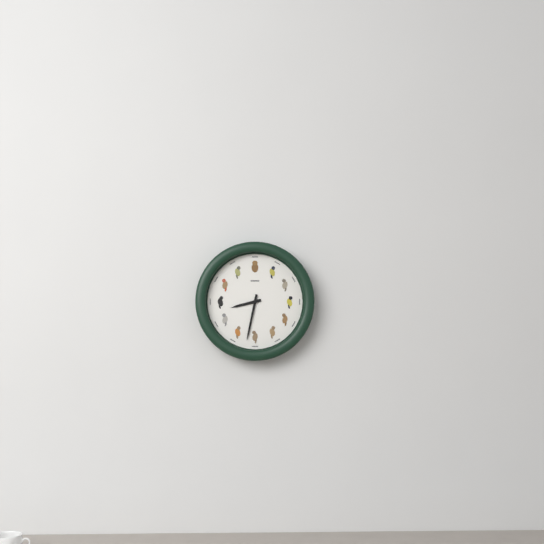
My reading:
{"hour": 8, "minute": 32}
